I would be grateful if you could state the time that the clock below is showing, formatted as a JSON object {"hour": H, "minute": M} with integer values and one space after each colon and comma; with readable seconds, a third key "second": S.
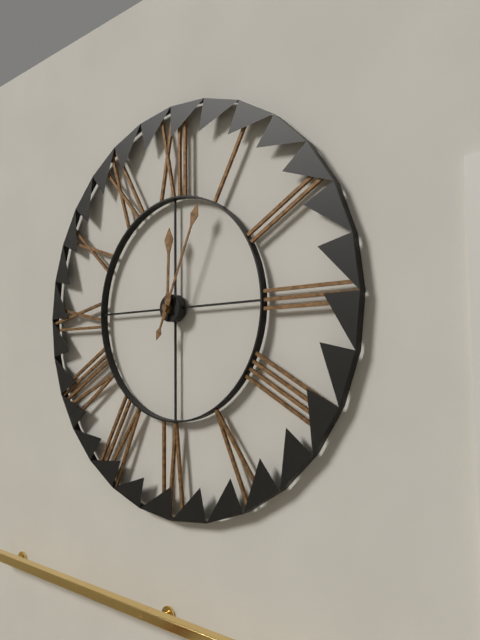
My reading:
{"hour": 12, "minute": 4}
